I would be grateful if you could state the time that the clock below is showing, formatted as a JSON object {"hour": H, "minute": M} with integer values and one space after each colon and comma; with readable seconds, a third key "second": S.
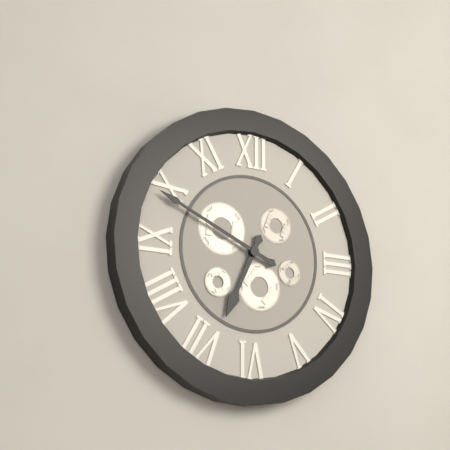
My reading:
{"hour": 6, "minute": 49}
